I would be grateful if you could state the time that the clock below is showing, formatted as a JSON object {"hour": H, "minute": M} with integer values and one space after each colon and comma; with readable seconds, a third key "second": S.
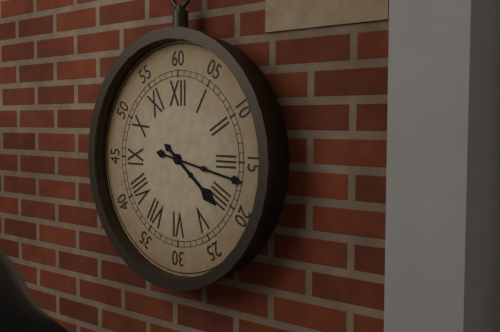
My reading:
{"hour": 4, "minute": 17}
